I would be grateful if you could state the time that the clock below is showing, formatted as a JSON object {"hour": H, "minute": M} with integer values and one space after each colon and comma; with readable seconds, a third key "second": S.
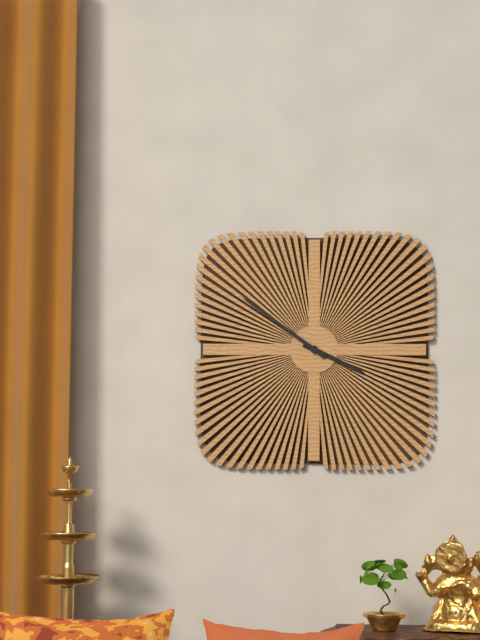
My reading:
{"hour": 3, "minute": 51}
